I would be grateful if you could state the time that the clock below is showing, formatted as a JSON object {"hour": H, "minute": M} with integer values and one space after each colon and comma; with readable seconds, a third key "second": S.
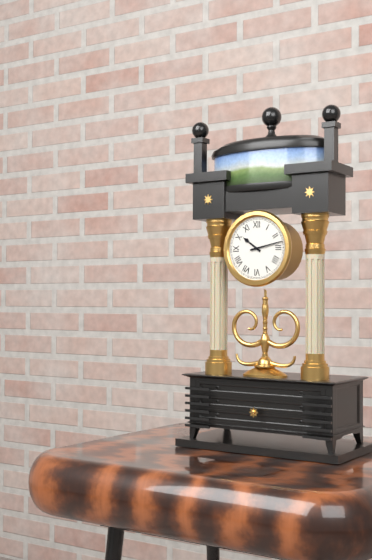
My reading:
{"hour": 10, "minute": 13}
